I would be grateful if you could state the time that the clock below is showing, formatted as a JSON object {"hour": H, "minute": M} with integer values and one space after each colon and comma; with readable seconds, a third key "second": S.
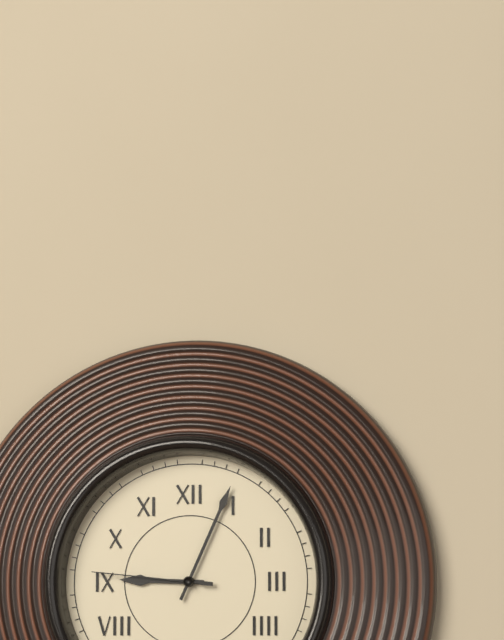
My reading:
{"hour": 9, "minute": 4, "second": 46}
